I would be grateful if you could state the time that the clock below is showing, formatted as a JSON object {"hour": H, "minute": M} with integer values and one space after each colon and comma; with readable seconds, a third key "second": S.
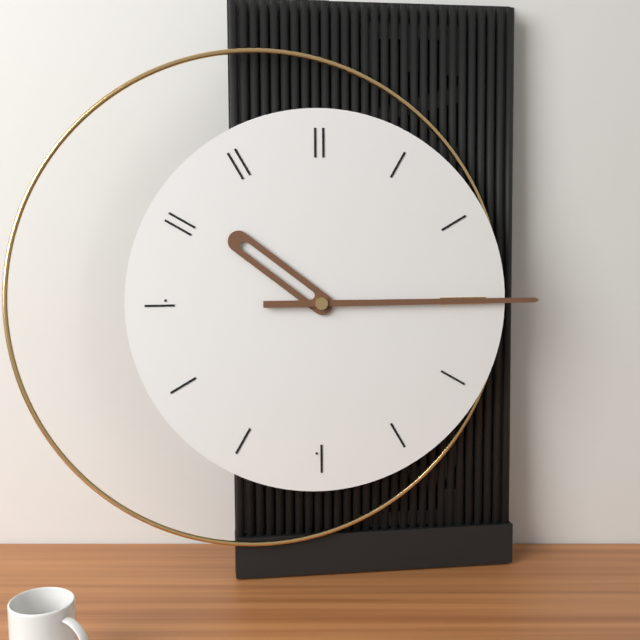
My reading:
{"hour": 10, "minute": 15}
